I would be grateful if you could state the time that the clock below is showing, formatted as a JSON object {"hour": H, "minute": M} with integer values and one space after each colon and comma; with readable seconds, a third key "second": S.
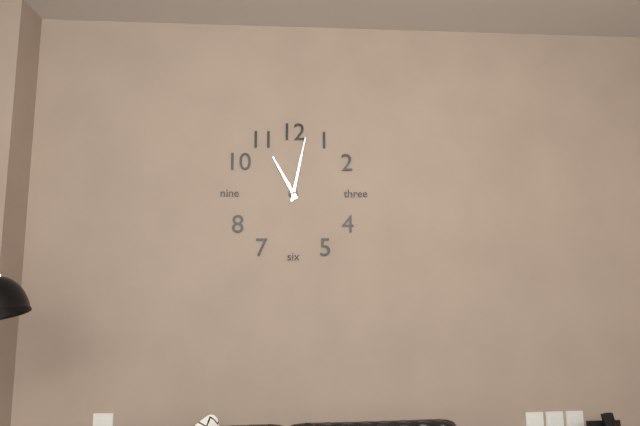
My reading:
{"hour": 11, "minute": 2}
